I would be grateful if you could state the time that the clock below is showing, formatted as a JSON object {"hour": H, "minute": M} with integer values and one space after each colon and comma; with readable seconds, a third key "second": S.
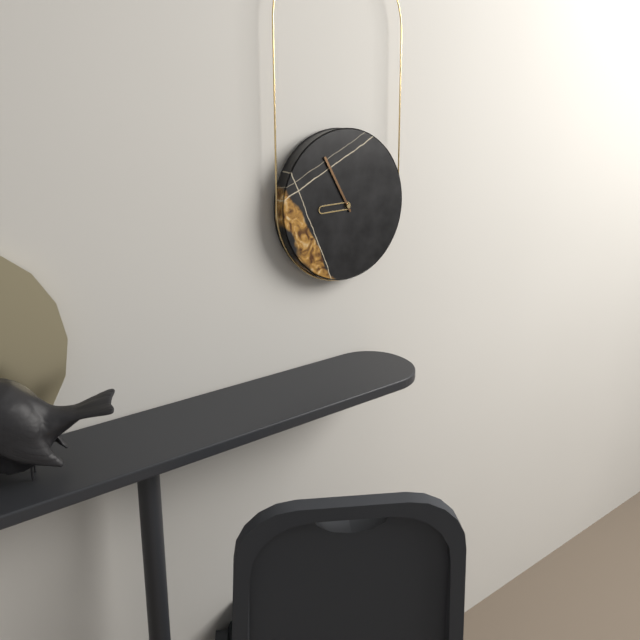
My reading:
{"hour": 8, "minute": 55}
